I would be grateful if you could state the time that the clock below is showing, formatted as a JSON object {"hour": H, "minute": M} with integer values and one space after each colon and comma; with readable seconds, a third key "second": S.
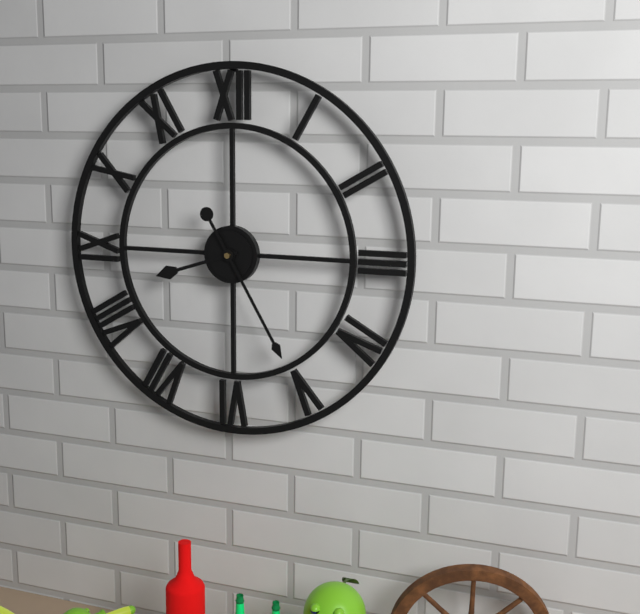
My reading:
{"hour": 8, "minute": 25}
